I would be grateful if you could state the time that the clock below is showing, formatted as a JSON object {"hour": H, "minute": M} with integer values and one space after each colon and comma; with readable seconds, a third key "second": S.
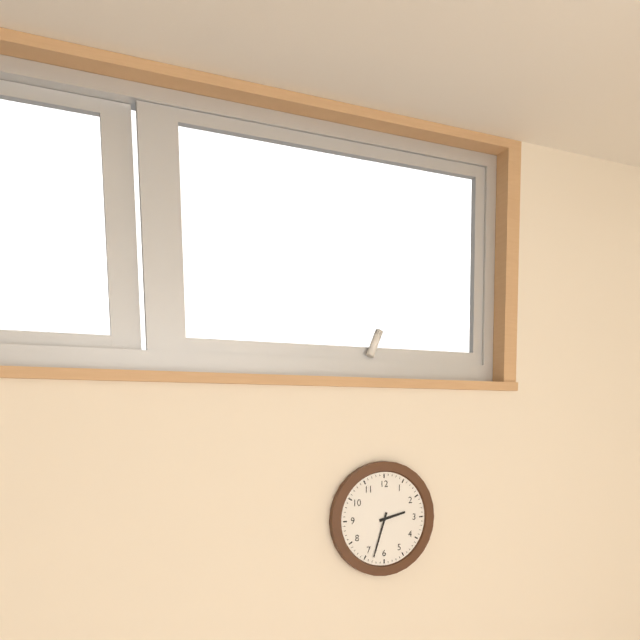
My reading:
{"hour": 2, "minute": 33}
